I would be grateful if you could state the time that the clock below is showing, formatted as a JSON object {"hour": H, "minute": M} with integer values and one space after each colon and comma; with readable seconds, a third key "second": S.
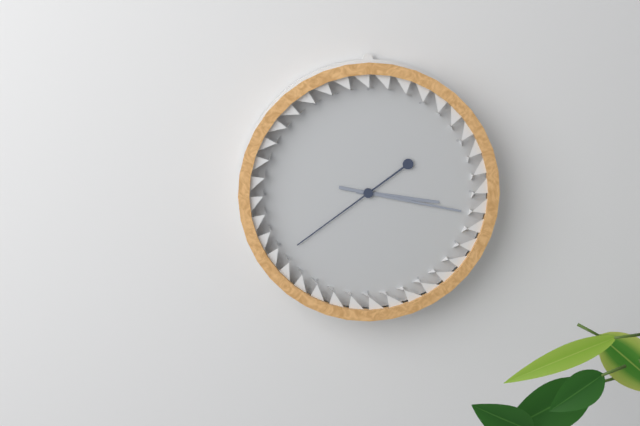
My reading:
{"hour": 3, "minute": 17, "second": 39}
